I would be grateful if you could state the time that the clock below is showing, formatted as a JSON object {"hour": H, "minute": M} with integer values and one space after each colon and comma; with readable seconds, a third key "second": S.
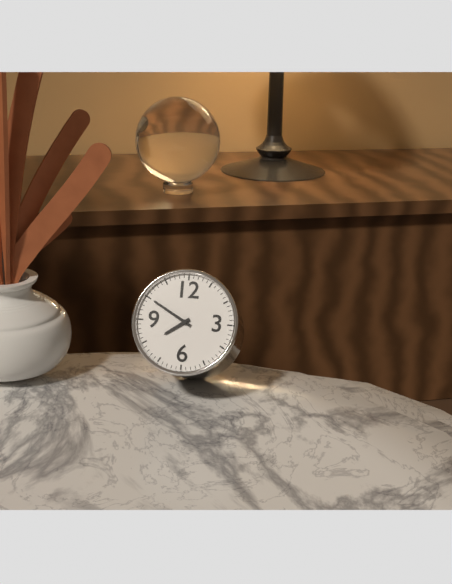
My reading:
{"hour": 7, "minute": 50}
